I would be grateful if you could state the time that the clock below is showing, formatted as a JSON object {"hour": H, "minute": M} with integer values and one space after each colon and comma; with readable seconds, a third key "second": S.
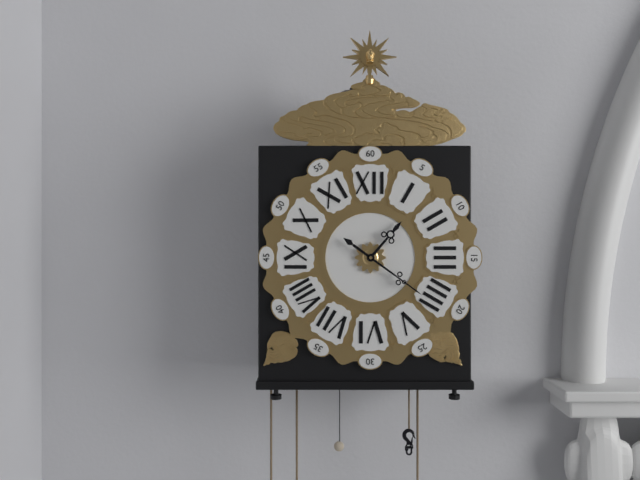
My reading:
{"hour": 1, "minute": 21}
